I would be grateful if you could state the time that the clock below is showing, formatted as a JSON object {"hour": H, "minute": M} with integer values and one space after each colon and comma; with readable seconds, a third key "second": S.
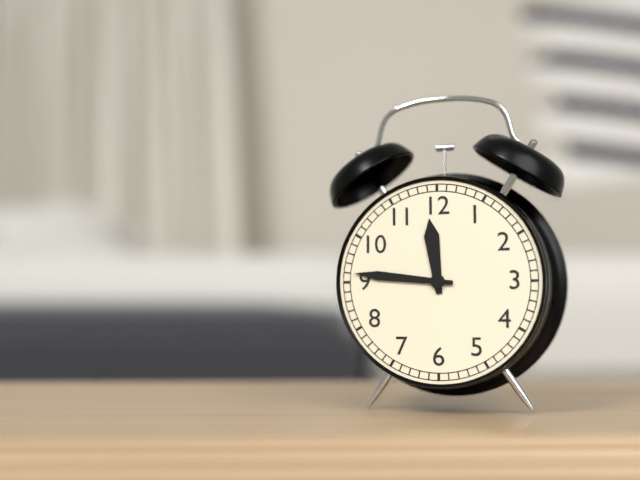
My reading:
{"hour": 11, "minute": 46}
